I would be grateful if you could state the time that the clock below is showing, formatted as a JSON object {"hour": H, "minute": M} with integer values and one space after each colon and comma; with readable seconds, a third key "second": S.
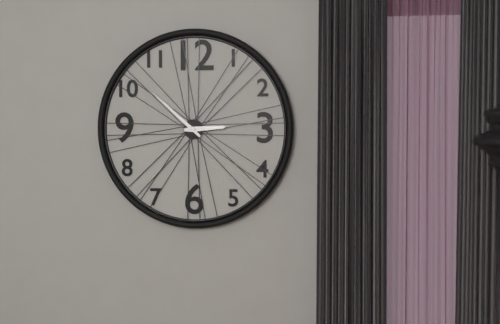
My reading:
{"hour": 2, "minute": 52}
